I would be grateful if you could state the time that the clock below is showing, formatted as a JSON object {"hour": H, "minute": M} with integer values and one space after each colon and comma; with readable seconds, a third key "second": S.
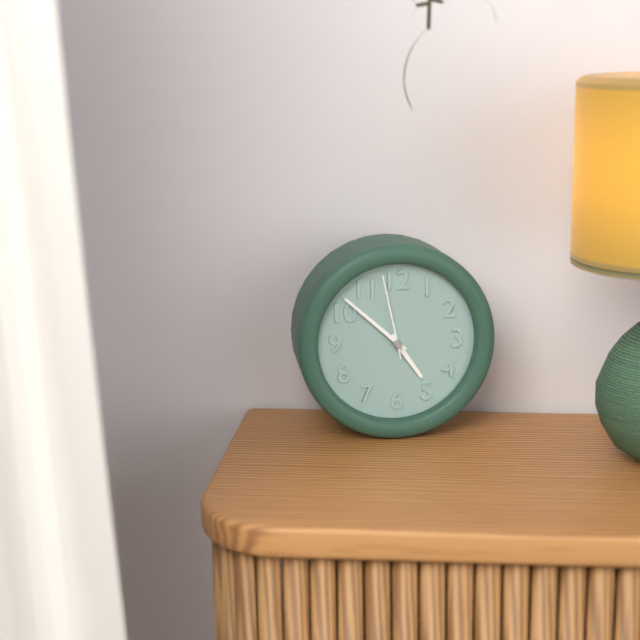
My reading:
{"hour": 4, "minute": 52, "second": 58}
